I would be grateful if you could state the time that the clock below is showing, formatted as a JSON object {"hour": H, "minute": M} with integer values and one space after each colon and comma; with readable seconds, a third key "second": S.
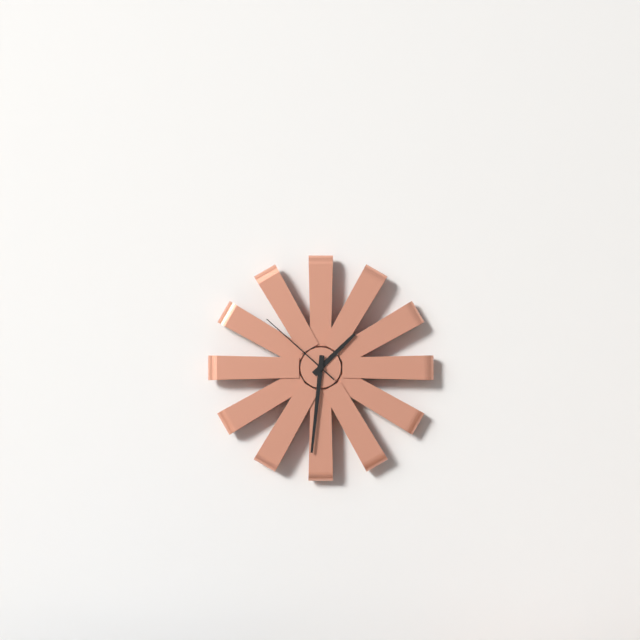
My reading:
{"hour": 1, "minute": 31, "second": 52}
